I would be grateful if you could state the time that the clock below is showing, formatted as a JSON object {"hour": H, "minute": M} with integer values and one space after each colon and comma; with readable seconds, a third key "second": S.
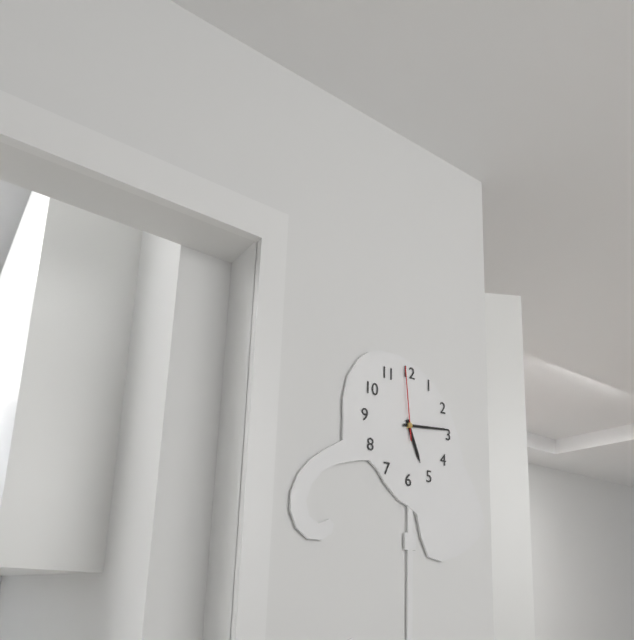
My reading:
{"hour": 5, "minute": 14, "second": 59}
